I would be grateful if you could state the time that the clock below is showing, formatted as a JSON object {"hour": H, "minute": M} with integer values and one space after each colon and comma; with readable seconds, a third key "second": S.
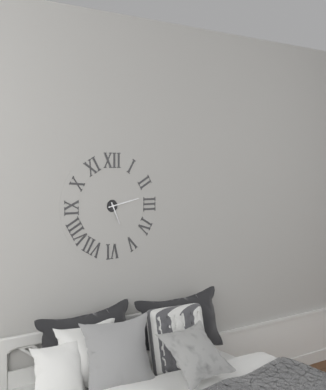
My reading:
{"hour": 5, "minute": 13}
